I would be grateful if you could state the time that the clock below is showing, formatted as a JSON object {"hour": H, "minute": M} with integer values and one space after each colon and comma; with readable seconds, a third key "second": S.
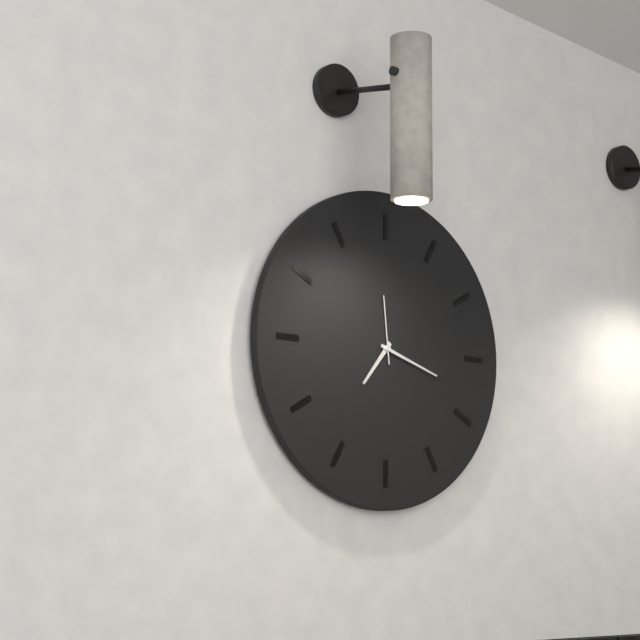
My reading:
{"hour": 7, "minute": 18, "second": 59}
